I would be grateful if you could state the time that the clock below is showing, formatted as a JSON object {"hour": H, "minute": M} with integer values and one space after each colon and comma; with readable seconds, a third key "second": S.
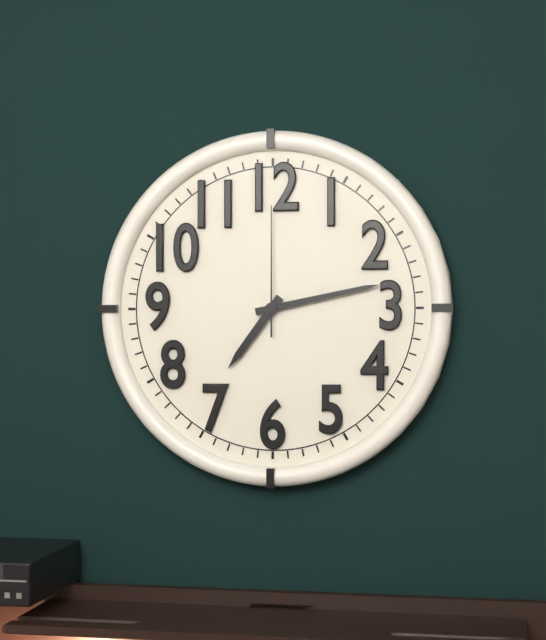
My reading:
{"hour": 7, "minute": 13, "second": 0}
